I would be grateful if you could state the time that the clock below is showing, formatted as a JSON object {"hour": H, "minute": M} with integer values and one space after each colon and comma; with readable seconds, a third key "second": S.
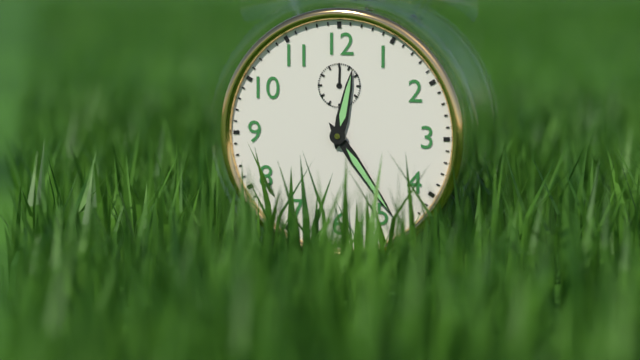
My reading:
{"hour": 12, "minute": 24}
